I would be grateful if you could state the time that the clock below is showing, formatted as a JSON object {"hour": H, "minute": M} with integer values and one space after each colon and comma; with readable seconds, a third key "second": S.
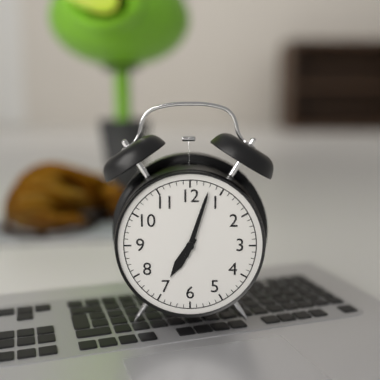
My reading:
{"hour": 7, "minute": 3}
